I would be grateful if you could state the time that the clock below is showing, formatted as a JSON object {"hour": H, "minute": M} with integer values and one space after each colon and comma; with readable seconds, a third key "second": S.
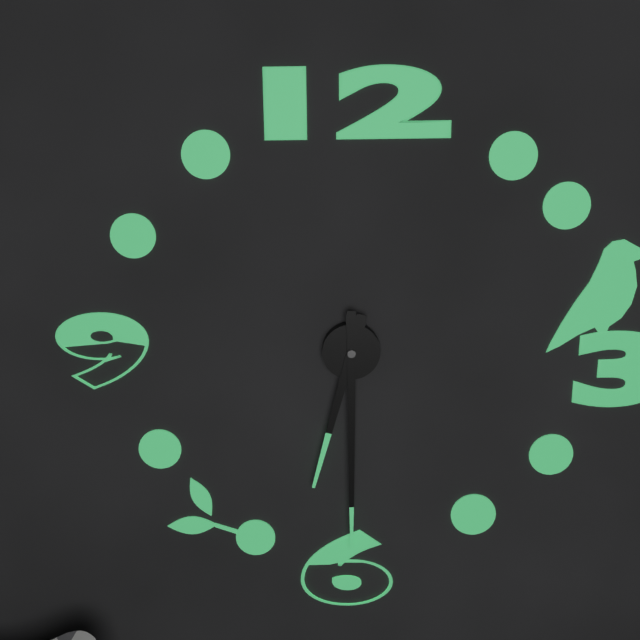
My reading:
{"hour": 6, "minute": 30}
